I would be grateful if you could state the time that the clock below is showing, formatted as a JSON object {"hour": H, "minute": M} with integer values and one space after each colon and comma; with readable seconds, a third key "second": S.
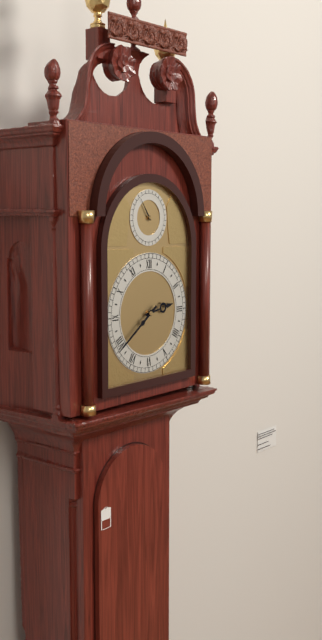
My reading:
{"hour": 2, "minute": 39}
